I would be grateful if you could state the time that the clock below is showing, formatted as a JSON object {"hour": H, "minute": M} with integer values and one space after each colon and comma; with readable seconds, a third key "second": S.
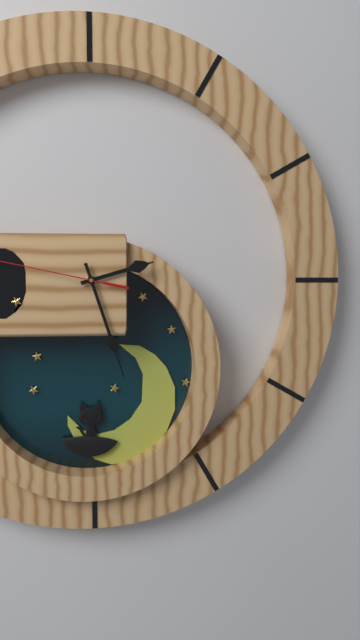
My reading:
{"hour": 2, "minute": 27}
